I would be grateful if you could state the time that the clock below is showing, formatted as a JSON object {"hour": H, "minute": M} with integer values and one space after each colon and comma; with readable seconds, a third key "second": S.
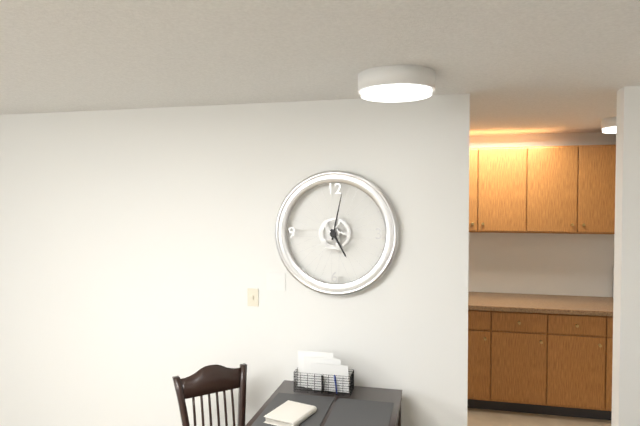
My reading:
{"hour": 5, "minute": 2}
